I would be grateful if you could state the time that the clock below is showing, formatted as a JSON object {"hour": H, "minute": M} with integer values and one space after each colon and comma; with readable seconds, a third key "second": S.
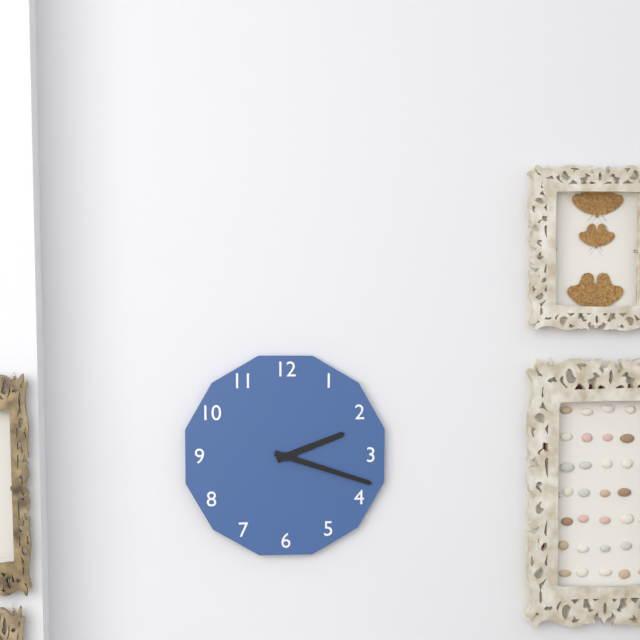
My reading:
{"hour": 2, "minute": 18}
